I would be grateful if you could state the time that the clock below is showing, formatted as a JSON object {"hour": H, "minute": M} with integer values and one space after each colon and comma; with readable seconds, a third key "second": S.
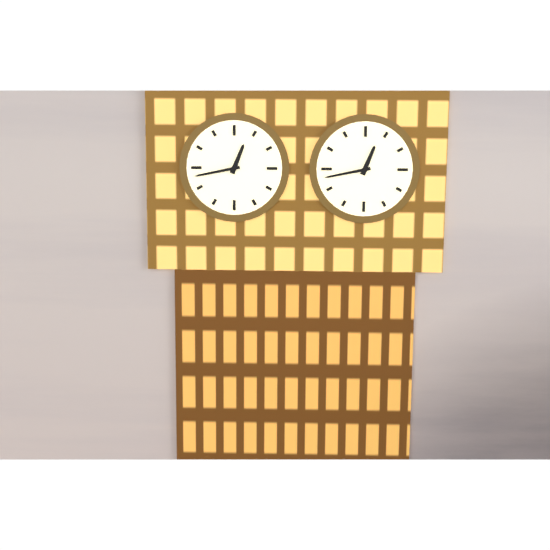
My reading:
{"hour": 12, "minute": 43}
